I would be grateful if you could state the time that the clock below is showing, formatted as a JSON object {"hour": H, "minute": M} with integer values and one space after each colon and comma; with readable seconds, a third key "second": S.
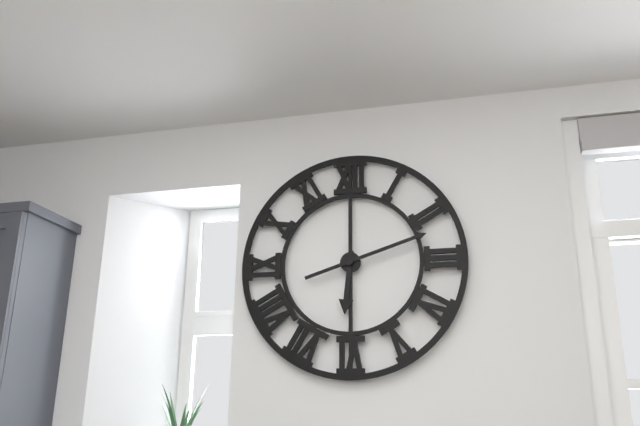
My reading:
{"hour": 6, "minute": 12}
